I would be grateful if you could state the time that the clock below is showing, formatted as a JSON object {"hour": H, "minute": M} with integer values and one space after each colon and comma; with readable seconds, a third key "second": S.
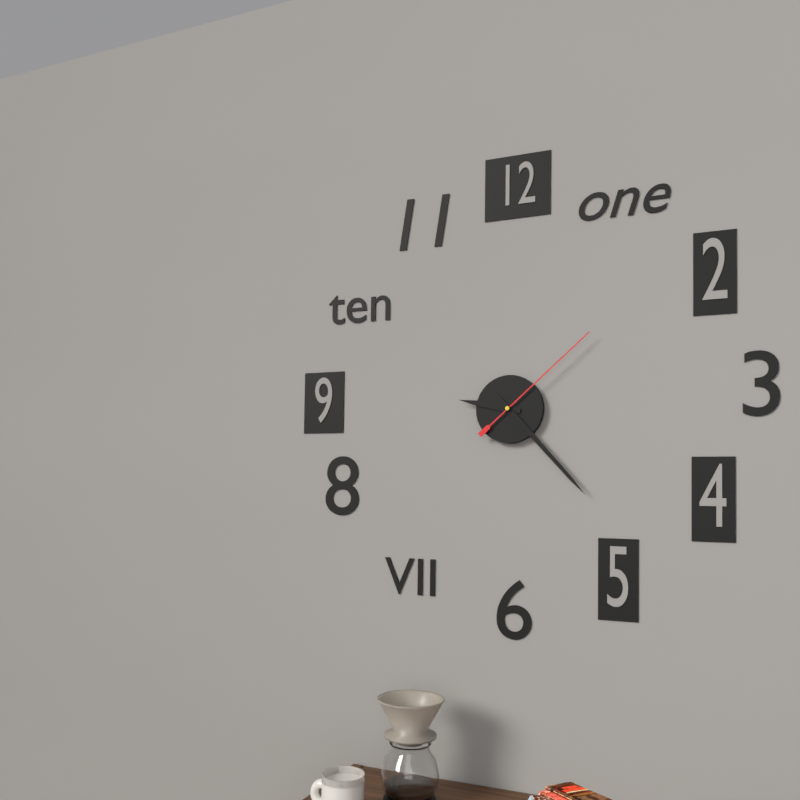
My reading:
{"hour": 9, "minute": 23, "second": 8}
